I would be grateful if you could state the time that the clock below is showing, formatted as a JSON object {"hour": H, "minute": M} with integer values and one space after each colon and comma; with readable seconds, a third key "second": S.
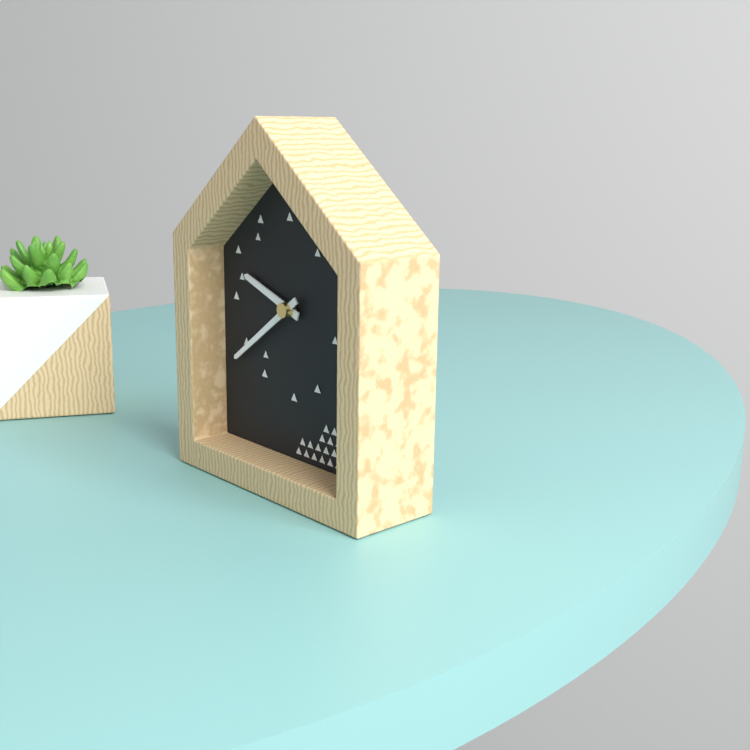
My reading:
{"hour": 9, "minute": 39}
